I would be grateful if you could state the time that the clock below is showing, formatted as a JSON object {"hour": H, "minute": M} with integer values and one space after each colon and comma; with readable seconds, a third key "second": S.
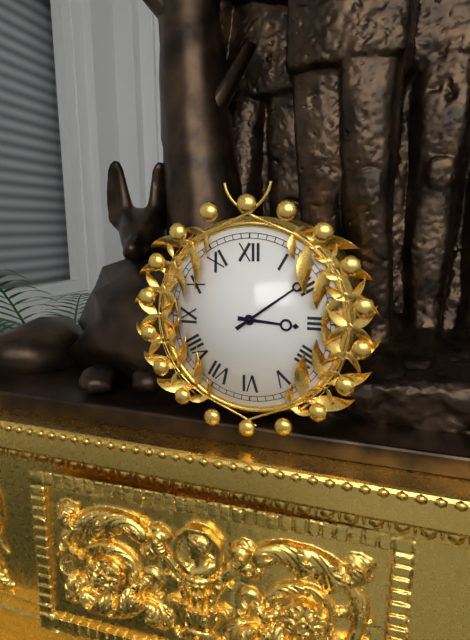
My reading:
{"hour": 3, "minute": 9}
